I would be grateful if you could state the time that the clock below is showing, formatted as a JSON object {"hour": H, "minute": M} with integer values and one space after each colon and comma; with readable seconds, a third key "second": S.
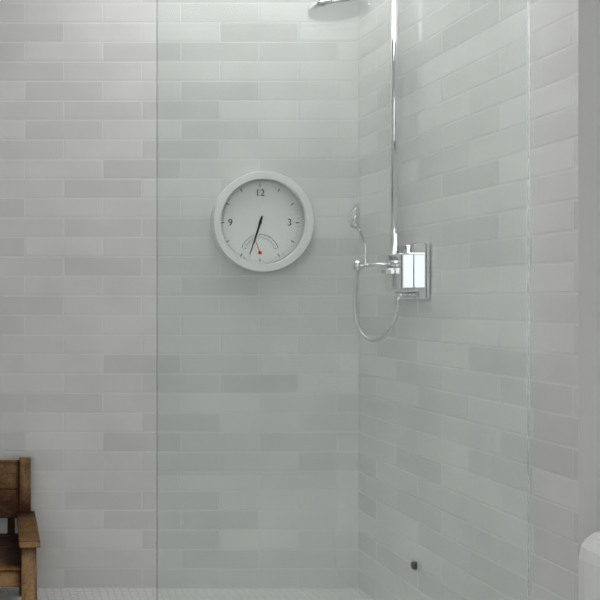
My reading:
{"hour": 6, "minute": 33}
